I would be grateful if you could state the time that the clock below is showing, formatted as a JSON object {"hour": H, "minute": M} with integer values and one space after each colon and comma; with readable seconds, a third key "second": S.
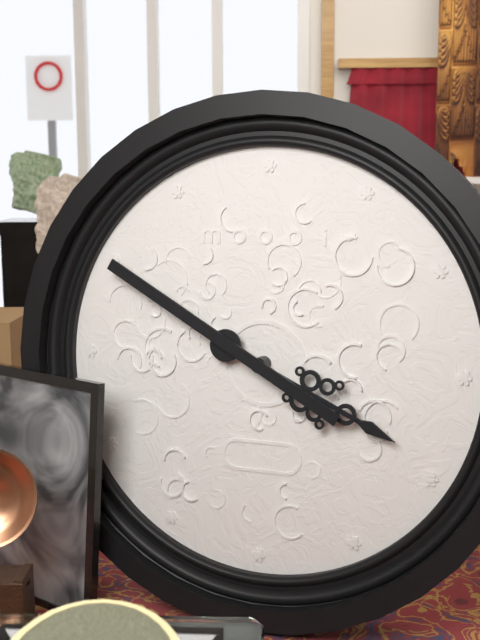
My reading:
{"hour": 3, "minute": 50}
